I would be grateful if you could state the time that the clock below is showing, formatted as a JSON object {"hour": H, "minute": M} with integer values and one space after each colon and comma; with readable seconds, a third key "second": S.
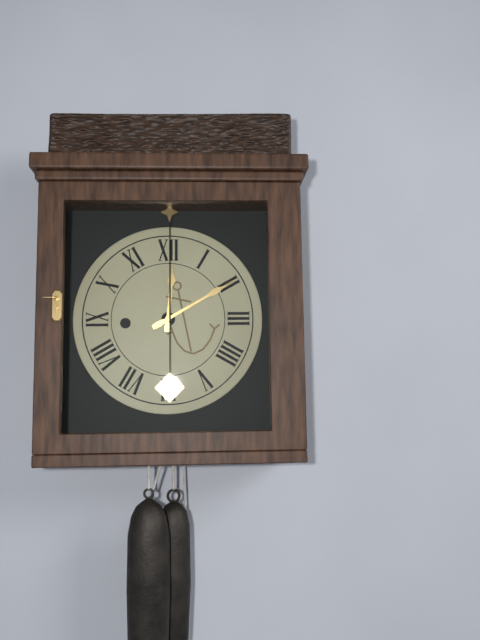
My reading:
{"hour": 12, "minute": 10}
